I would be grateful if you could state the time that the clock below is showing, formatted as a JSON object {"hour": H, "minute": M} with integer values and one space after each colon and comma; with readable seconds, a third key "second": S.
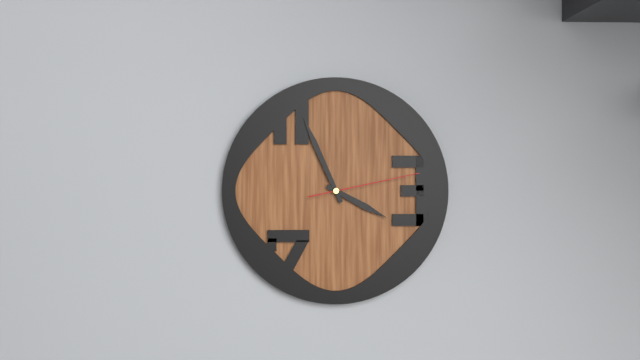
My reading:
{"hour": 3, "minute": 56, "second": 13}
